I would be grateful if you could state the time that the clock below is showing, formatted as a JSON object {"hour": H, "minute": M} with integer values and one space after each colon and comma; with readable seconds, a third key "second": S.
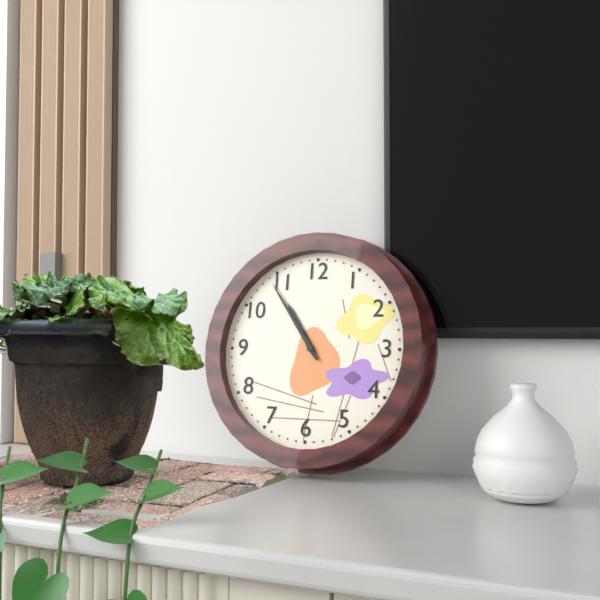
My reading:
{"hour": 10, "minute": 54}
